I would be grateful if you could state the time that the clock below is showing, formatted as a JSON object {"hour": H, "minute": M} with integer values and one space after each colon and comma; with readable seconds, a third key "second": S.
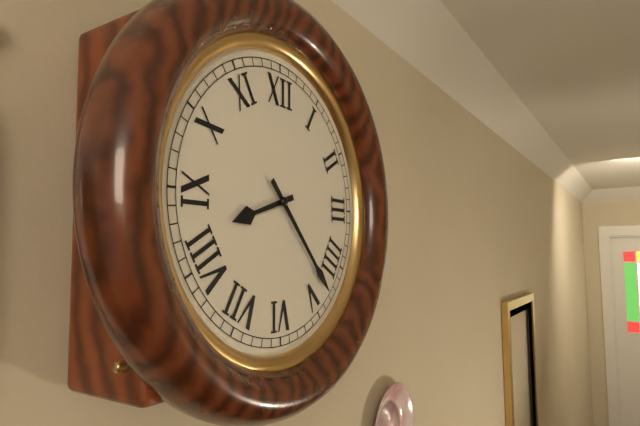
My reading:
{"hour": 8, "minute": 23}
